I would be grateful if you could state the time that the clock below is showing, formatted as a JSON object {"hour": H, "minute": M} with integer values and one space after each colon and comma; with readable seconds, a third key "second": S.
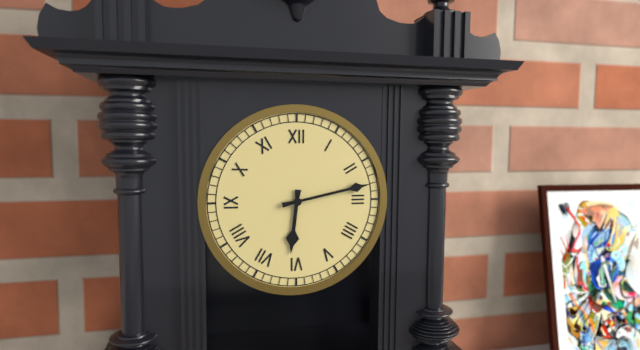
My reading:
{"hour": 6, "minute": 13}
